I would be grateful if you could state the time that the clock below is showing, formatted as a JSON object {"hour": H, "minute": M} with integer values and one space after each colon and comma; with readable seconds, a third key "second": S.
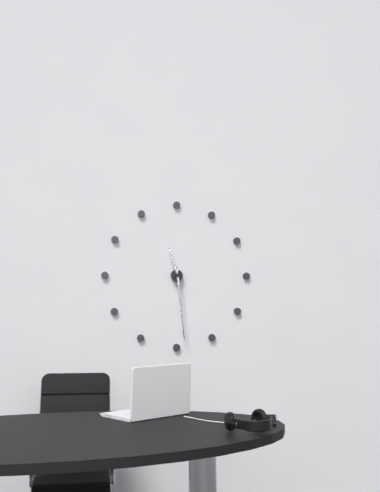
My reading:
{"hour": 11, "minute": 29}
